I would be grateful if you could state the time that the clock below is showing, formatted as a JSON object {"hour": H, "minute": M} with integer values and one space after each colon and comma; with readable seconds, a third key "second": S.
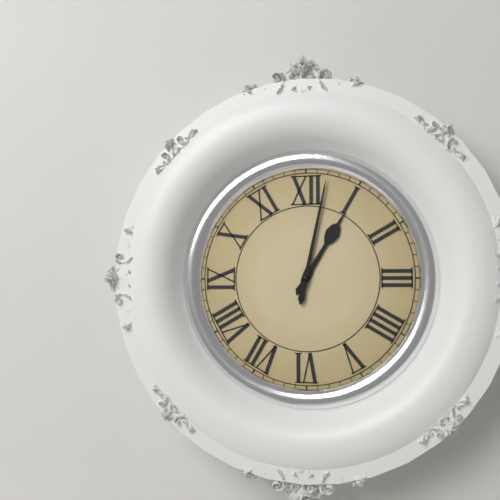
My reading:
{"hour": 1, "minute": 2}
